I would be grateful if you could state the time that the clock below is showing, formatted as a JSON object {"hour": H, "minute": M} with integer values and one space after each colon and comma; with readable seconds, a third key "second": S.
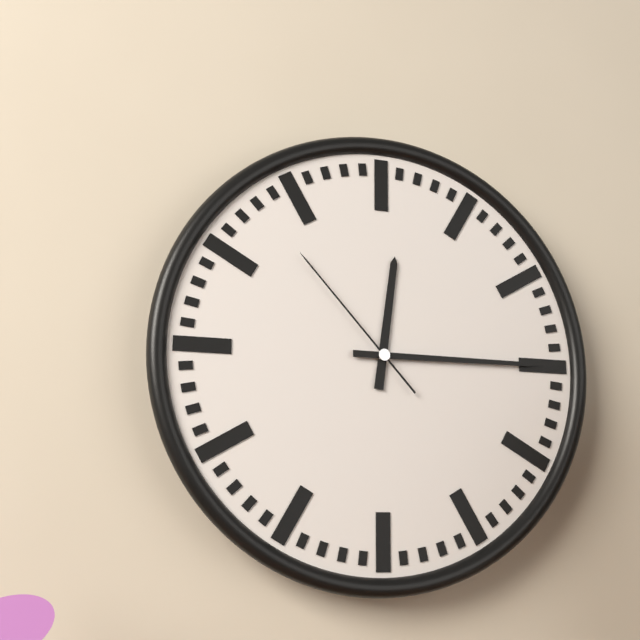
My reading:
{"hour": 12, "minute": 15, "second": 53}
